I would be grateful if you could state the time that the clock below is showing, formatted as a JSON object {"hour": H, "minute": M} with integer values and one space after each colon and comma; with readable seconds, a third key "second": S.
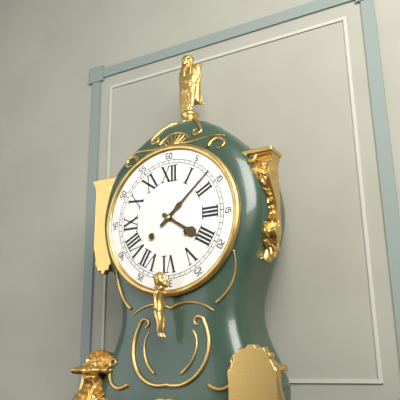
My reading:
{"hour": 4, "minute": 8}
